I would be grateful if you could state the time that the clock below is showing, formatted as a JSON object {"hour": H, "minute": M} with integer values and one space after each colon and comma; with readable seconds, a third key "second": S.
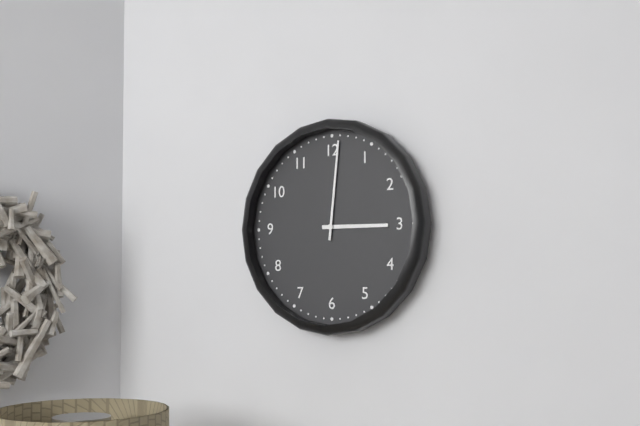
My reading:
{"hour": 3, "minute": 1}
